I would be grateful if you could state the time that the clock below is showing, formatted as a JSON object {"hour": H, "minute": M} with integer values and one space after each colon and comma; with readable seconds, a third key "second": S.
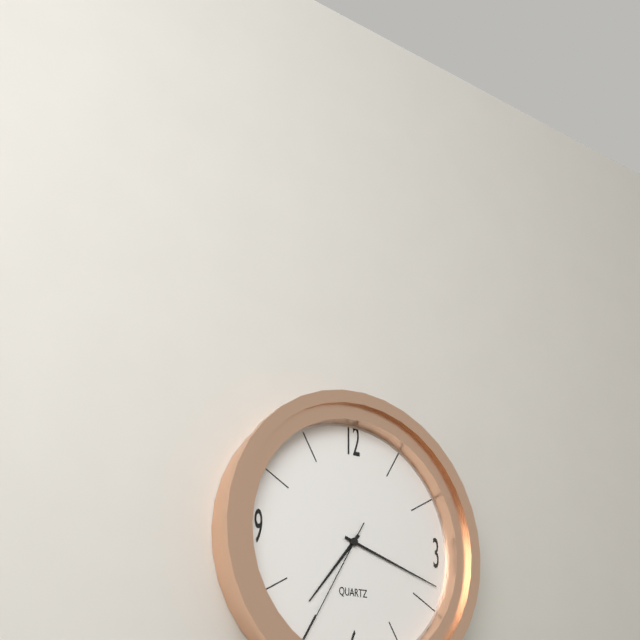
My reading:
{"hour": 7, "minute": 18, "second": 35}
